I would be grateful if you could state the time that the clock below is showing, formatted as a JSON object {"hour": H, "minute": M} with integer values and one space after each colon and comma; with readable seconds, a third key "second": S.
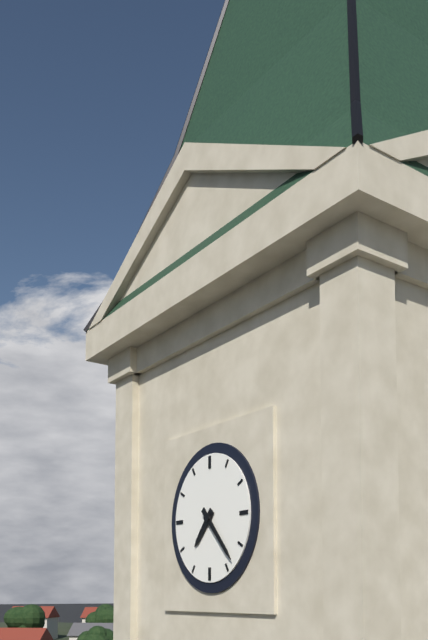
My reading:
{"hour": 7, "minute": 23}
